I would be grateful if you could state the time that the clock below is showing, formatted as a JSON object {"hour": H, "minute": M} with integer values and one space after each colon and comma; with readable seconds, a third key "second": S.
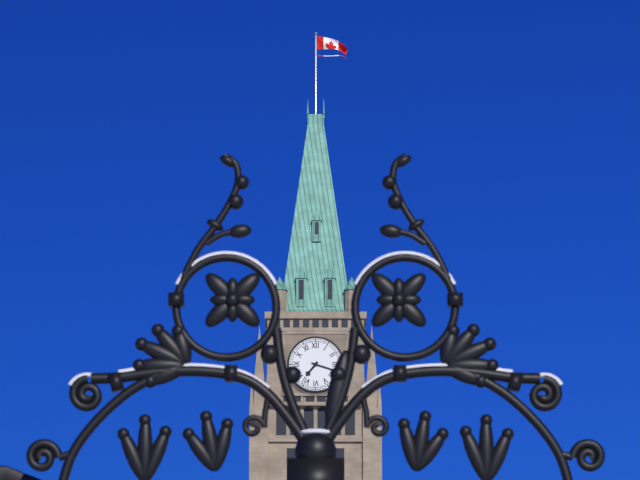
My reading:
{"hour": 7, "minute": 18}
